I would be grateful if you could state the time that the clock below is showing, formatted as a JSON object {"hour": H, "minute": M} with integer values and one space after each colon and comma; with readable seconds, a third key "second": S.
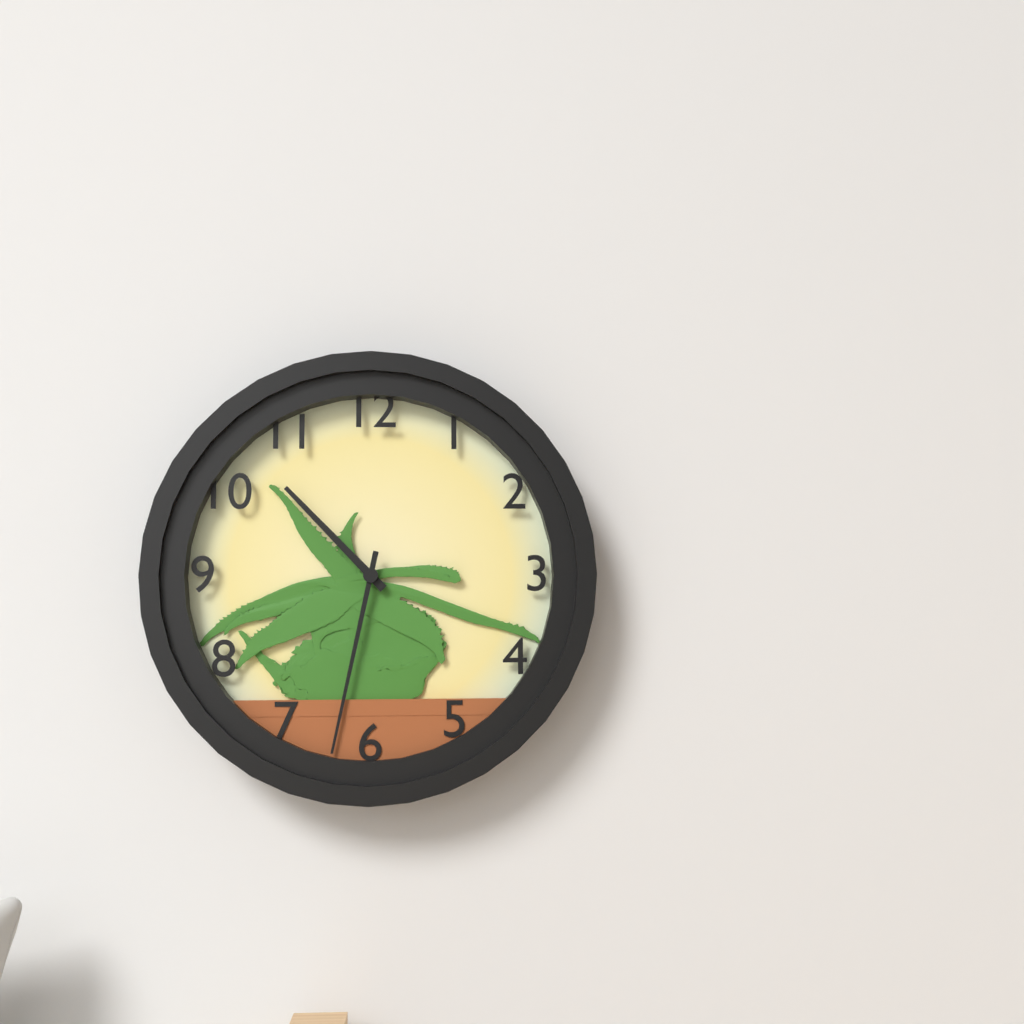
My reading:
{"hour": 10, "minute": 32}
